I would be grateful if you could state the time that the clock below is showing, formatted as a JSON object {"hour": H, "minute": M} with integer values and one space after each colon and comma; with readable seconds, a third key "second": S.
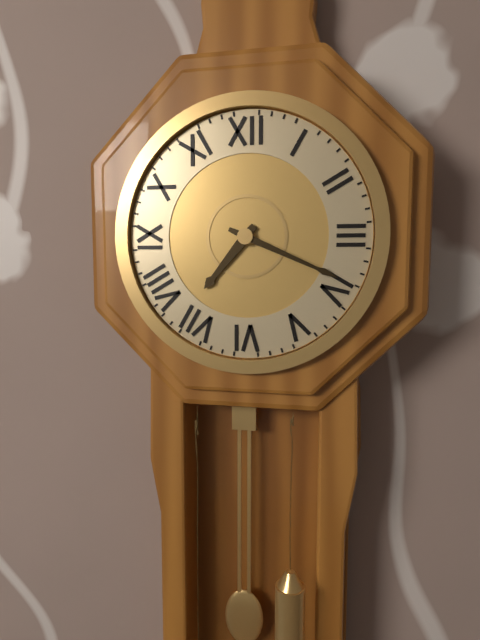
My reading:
{"hour": 7, "minute": 19}
